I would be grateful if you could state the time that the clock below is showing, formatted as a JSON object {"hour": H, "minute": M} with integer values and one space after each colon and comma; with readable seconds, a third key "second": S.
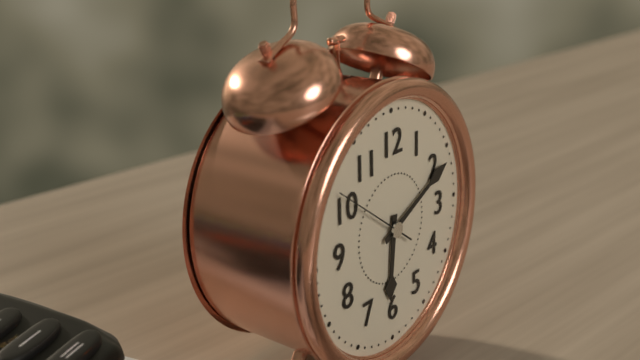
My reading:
{"hour": 6, "minute": 11, "second": 51}
